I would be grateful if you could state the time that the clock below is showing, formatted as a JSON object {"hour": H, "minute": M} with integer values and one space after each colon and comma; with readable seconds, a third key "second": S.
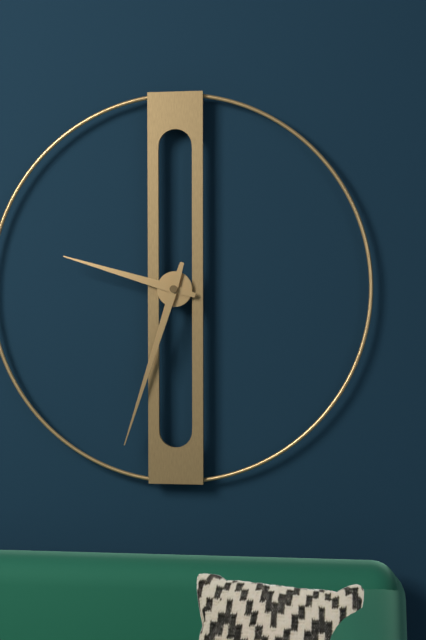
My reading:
{"hour": 9, "minute": 33}
